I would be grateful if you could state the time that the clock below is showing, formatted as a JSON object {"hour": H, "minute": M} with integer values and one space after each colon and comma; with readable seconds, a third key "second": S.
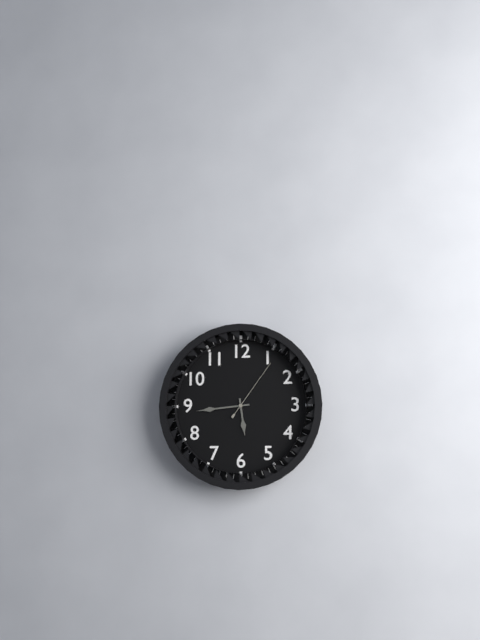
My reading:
{"hour": 5, "minute": 44, "second": 6}
